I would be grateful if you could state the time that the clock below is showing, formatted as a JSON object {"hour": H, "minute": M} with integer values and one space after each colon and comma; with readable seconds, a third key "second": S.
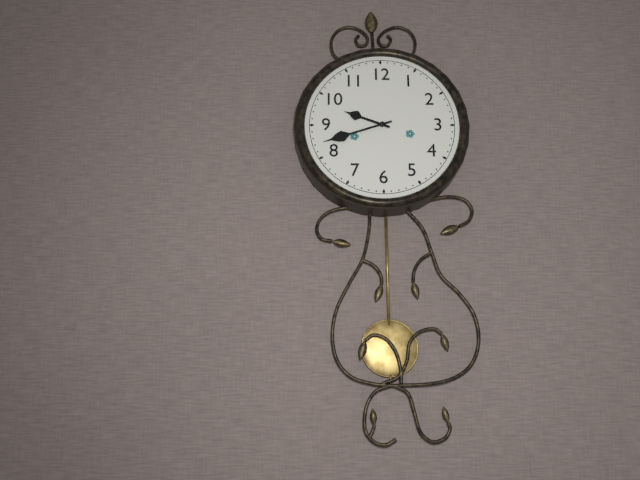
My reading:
{"hour": 9, "minute": 42}
